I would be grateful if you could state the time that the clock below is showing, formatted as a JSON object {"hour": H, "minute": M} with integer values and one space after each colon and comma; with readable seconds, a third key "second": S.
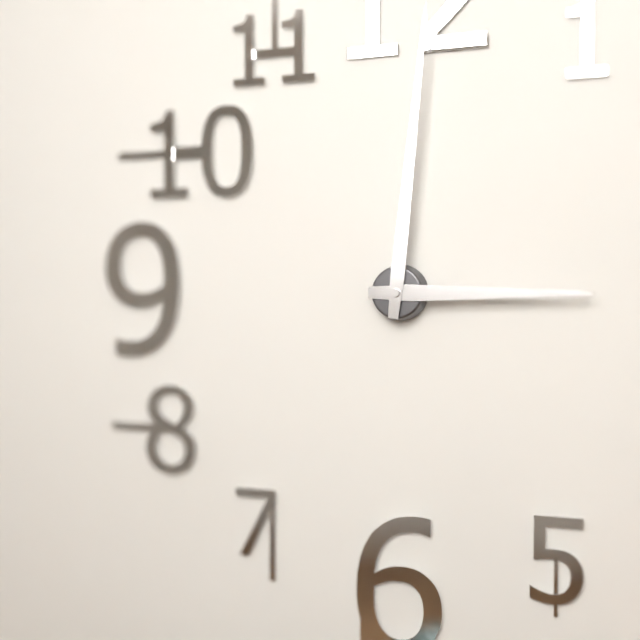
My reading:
{"hour": 3, "minute": 1}
